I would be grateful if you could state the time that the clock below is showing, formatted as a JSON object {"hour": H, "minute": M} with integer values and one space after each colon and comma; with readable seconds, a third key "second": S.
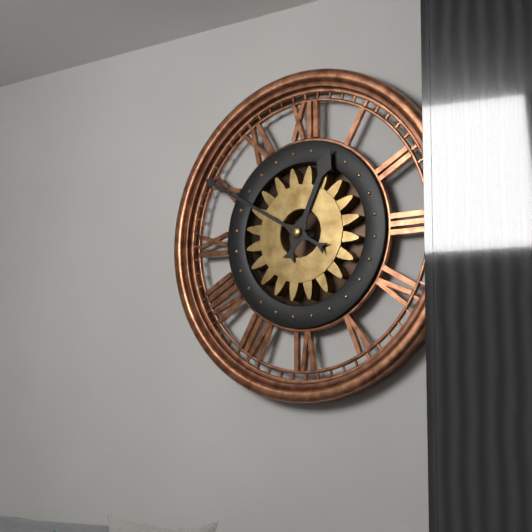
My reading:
{"hour": 12, "minute": 50}
